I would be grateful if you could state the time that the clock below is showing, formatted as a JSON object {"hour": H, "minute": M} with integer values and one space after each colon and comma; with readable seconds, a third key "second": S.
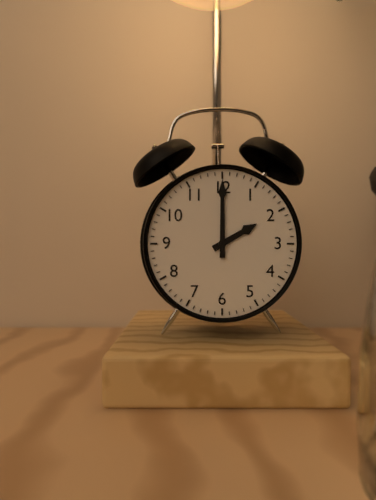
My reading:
{"hour": 2, "minute": 0}
